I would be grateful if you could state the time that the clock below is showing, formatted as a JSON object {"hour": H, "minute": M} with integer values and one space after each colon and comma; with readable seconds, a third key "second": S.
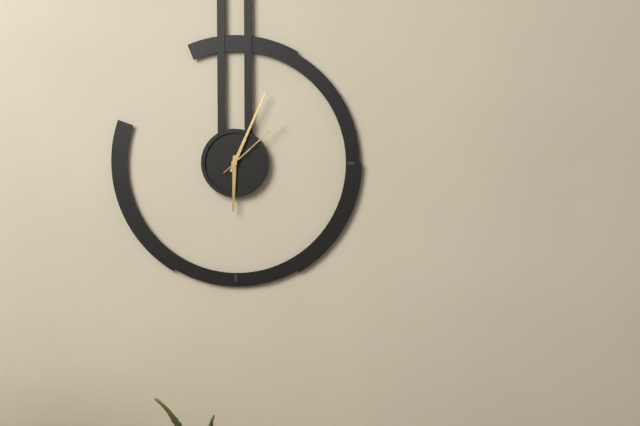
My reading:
{"hour": 6, "minute": 4, "second": 8}
